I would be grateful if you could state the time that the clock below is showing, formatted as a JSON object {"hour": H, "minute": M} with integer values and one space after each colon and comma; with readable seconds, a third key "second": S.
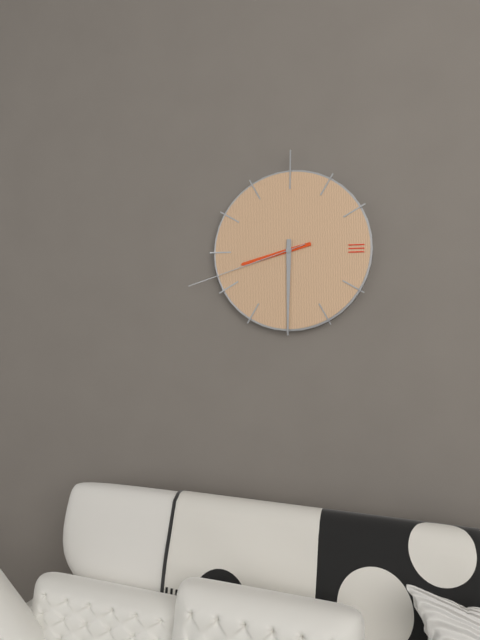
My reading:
{"hour": 8, "minute": 30, "second": 42}
